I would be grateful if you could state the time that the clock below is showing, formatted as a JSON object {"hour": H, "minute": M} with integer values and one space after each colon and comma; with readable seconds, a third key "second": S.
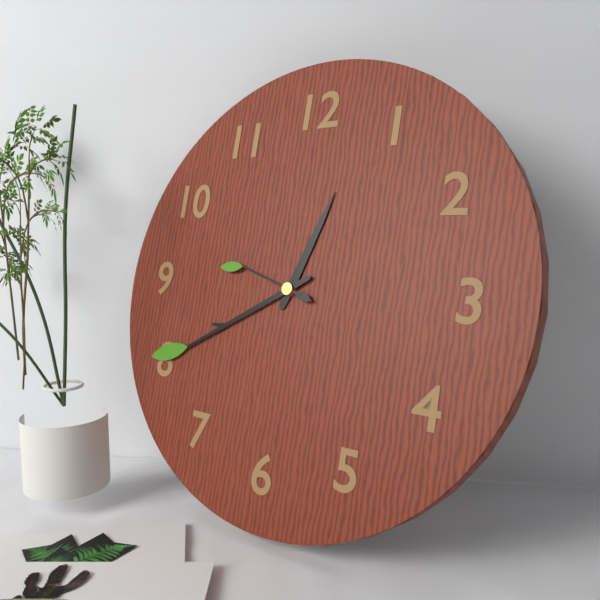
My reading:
{"hour": 12, "minute": 40, "second": 48}
